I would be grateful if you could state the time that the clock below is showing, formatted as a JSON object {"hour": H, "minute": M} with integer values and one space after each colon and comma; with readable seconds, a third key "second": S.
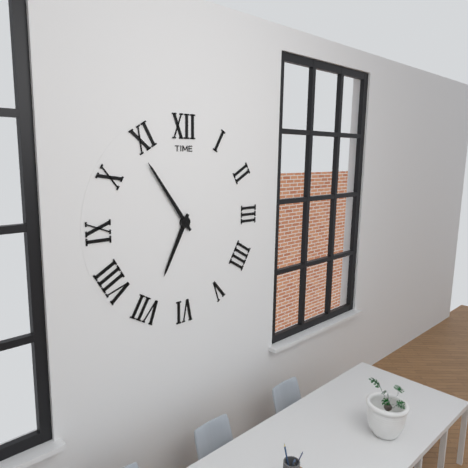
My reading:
{"hour": 6, "minute": 54}
